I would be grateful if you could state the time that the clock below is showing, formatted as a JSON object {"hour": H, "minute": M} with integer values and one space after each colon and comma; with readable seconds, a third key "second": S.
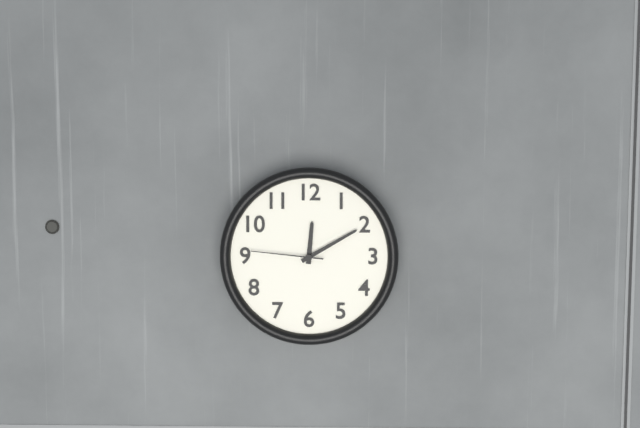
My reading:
{"hour": 12, "minute": 10, "second": 46}
